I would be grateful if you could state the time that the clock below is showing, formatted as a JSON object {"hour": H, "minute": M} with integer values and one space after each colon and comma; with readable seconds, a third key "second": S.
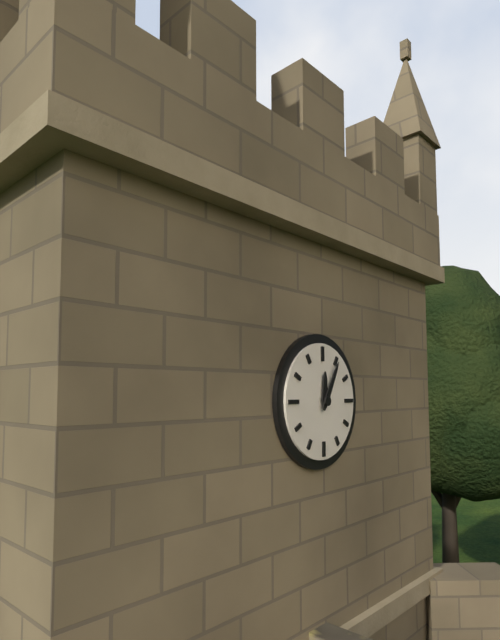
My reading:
{"hour": 12, "minute": 5}
